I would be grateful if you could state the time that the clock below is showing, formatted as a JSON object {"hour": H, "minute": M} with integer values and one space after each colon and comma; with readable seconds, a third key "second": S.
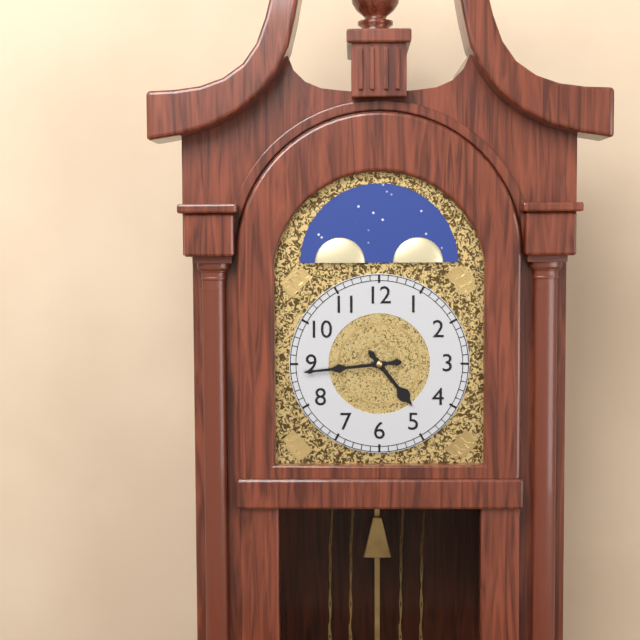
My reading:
{"hour": 4, "minute": 44}
